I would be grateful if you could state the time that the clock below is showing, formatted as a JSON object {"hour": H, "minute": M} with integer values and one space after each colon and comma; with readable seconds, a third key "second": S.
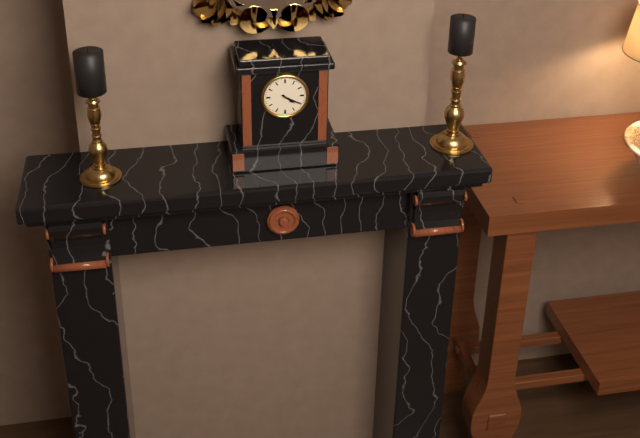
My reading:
{"hour": 4, "minute": 20}
